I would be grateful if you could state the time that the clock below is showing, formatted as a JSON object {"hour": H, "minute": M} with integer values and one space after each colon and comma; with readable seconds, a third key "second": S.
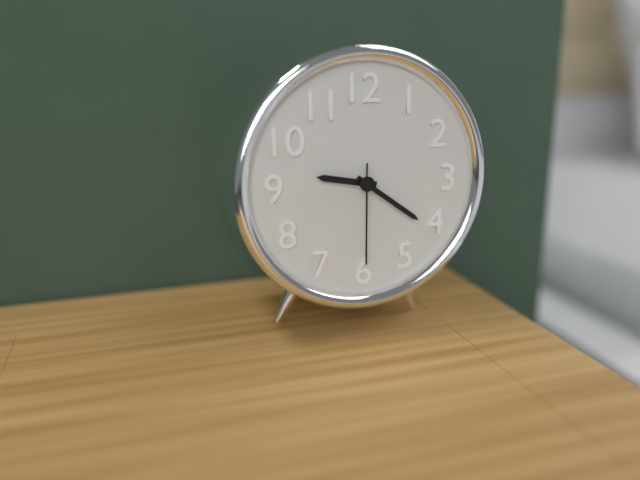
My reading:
{"hour": 9, "minute": 21, "second": 30}
